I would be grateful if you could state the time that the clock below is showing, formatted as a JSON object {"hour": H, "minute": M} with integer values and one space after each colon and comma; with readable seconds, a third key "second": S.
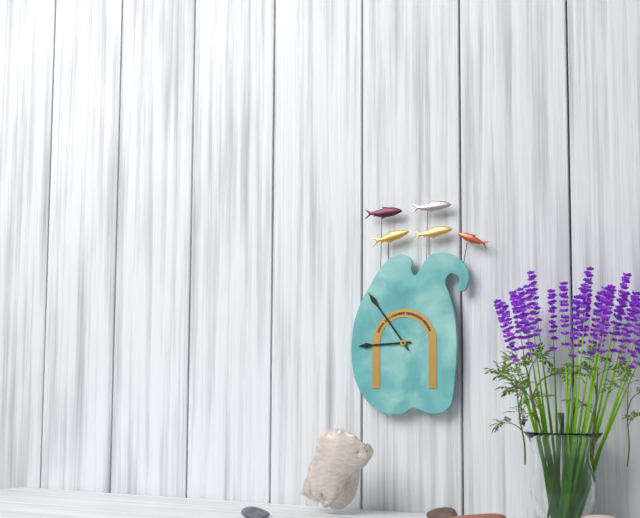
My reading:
{"hour": 8, "minute": 54}
